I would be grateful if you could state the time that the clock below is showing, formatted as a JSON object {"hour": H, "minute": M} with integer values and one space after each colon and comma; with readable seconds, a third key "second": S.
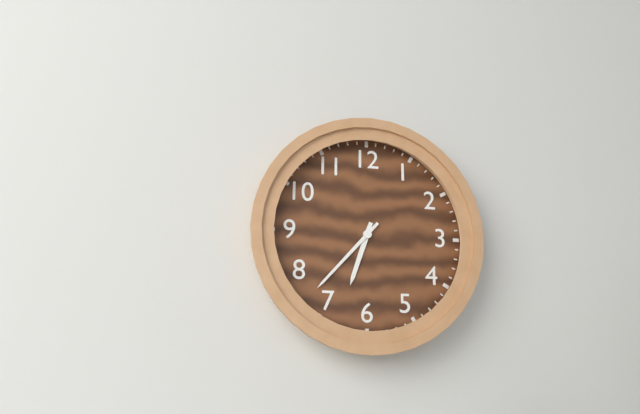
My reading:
{"hour": 6, "minute": 37}
